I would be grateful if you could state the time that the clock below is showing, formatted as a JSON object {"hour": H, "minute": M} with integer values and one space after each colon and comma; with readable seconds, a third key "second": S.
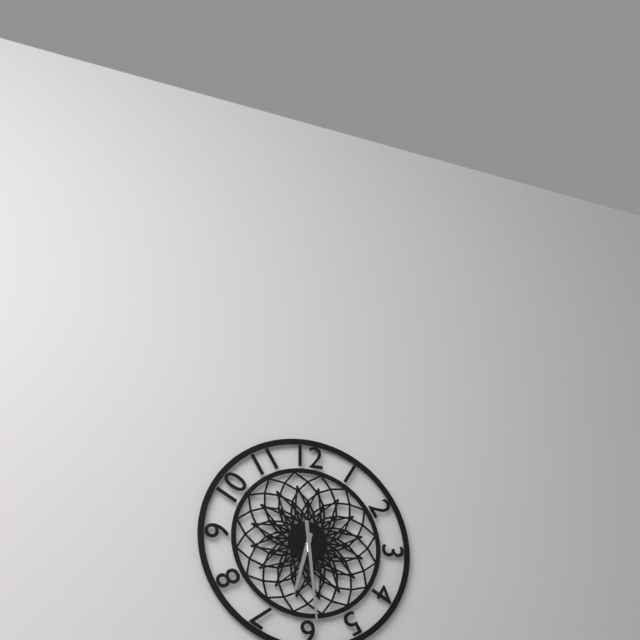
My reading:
{"hour": 6, "minute": 29}
